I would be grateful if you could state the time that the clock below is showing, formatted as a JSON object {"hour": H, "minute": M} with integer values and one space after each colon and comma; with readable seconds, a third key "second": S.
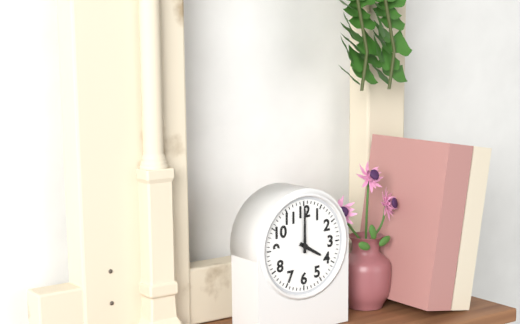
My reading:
{"hour": 4, "minute": 0}
